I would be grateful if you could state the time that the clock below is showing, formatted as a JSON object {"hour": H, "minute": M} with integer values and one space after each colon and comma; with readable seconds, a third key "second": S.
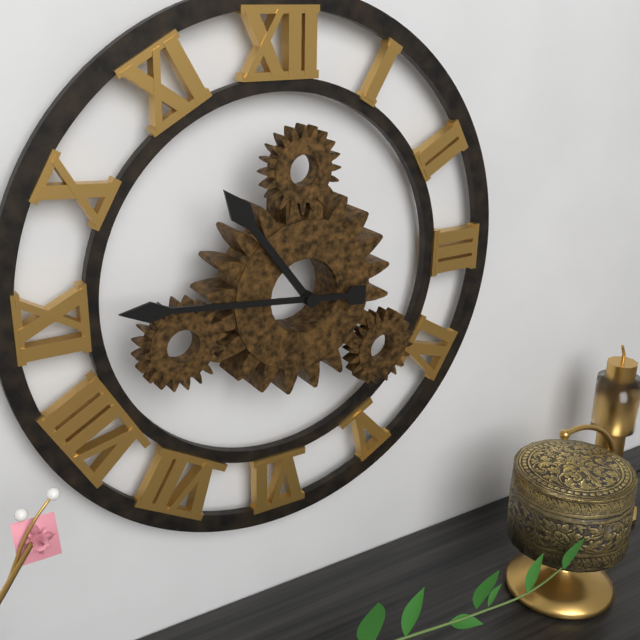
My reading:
{"hour": 10, "minute": 46}
